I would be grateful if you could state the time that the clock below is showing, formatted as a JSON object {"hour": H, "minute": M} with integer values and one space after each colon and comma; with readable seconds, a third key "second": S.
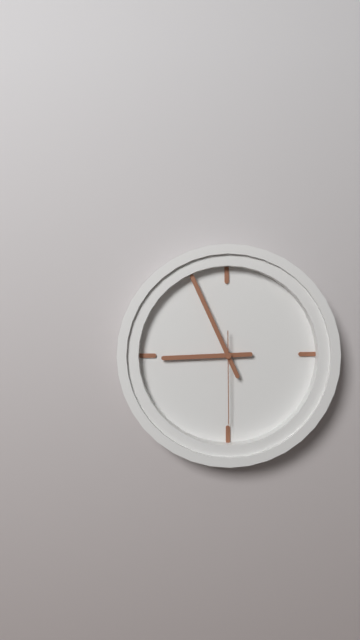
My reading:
{"hour": 8, "minute": 56, "second": 30}
